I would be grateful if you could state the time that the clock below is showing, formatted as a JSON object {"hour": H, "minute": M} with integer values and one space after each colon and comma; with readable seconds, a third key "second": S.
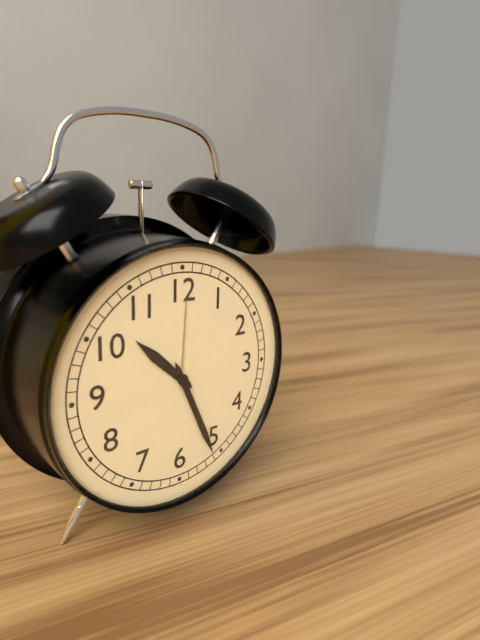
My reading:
{"hour": 10, "minute": 26}
